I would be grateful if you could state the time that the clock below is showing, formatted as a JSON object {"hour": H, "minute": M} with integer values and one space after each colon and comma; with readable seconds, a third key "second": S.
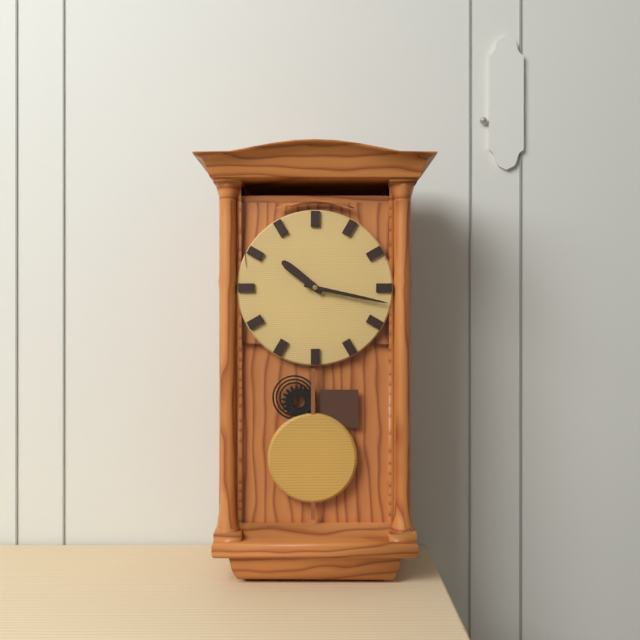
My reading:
{"hour": 10, "minute": 17}
